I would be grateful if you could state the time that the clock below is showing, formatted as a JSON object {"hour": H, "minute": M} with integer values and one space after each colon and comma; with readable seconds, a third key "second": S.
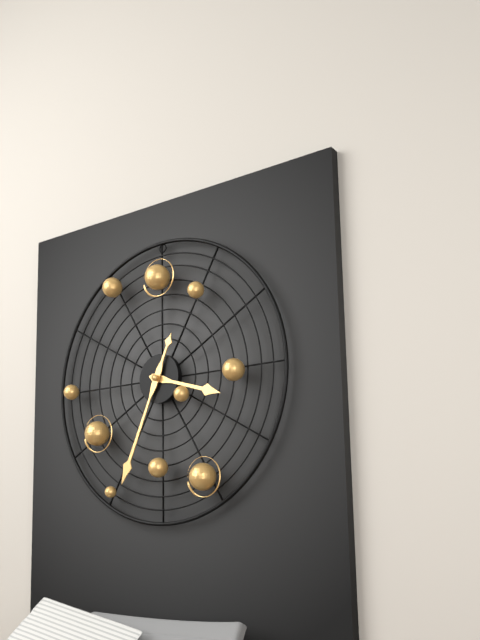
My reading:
{"hour": 3, "minute": 34}
